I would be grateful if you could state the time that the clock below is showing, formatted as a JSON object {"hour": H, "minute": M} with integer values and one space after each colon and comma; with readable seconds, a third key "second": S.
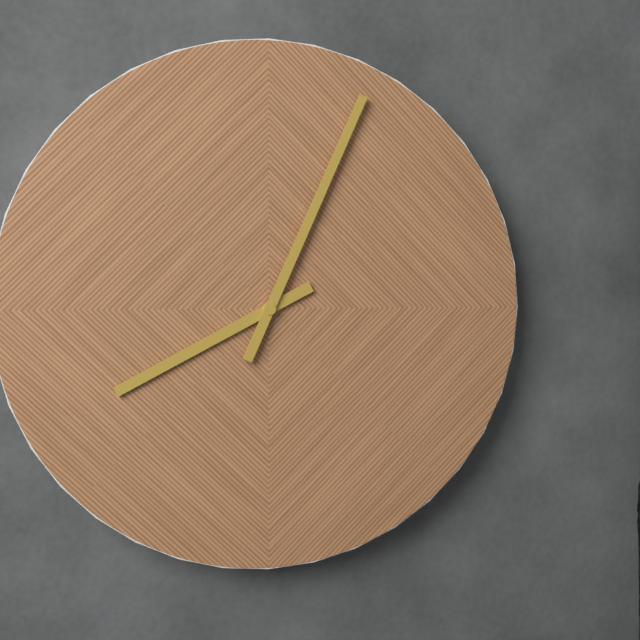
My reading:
{"hour": 8, "minute": 4}
